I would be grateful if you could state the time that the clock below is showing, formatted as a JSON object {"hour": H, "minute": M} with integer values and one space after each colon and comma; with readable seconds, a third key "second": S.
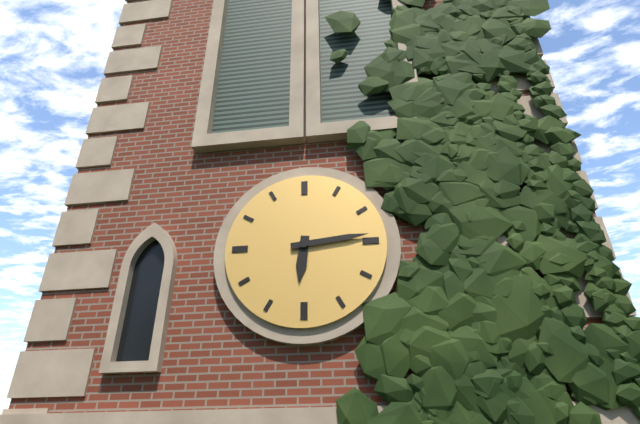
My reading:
{"hour": 6, "minute": 14}
